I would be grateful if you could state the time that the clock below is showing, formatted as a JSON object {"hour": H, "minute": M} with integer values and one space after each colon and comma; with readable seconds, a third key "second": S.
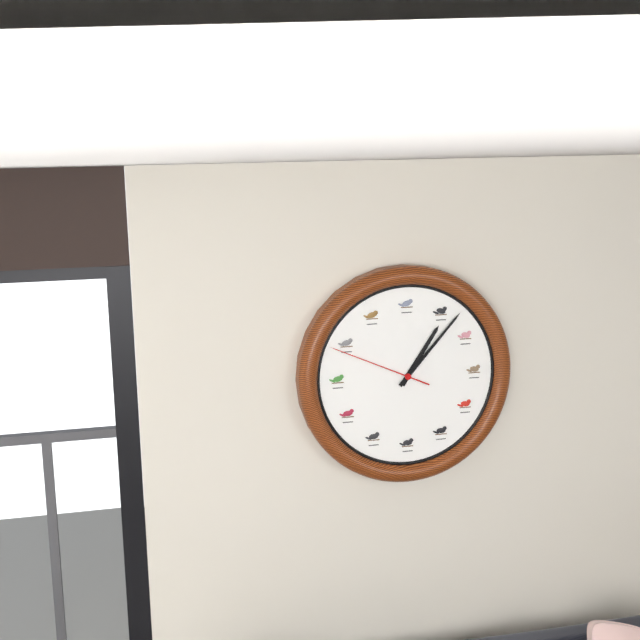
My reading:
{"hour": 1, "minute": 7, "second": 49}
